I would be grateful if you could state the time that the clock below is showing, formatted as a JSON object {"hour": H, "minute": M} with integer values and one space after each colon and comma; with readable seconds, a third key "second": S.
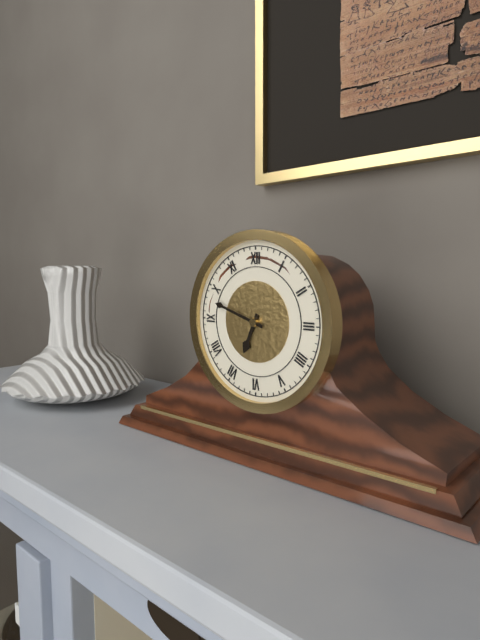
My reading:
{"hour": 6, "minute": 48}
